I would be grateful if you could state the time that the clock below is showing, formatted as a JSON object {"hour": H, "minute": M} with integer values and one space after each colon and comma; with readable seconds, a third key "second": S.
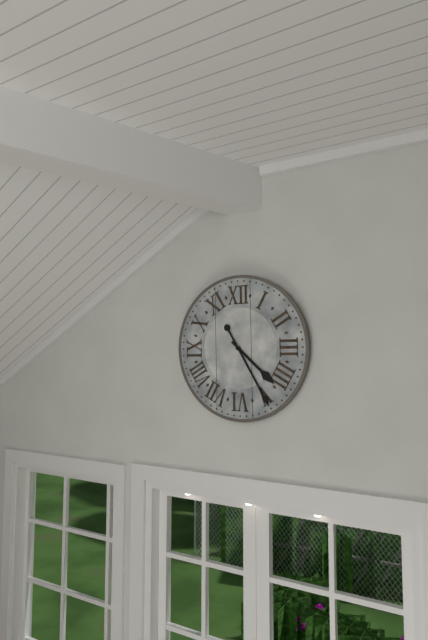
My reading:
{"hour": 4, "minute": 25}
